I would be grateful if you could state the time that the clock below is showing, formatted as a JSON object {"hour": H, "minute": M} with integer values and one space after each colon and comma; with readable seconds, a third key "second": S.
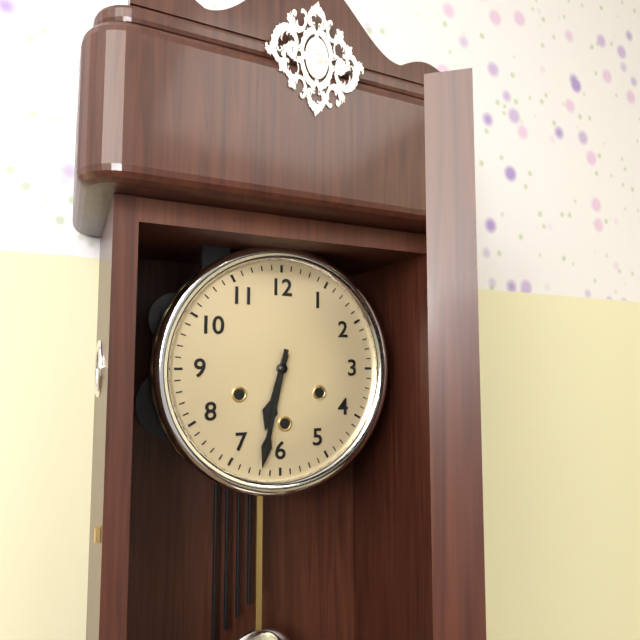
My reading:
{"hour": 6, "minute": 32}
